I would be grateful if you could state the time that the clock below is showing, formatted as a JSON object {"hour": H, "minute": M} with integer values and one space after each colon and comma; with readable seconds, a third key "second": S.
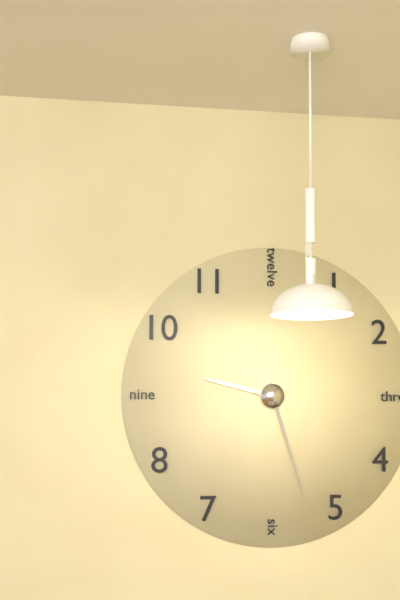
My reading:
{"hour": 9, "minute": 27}
